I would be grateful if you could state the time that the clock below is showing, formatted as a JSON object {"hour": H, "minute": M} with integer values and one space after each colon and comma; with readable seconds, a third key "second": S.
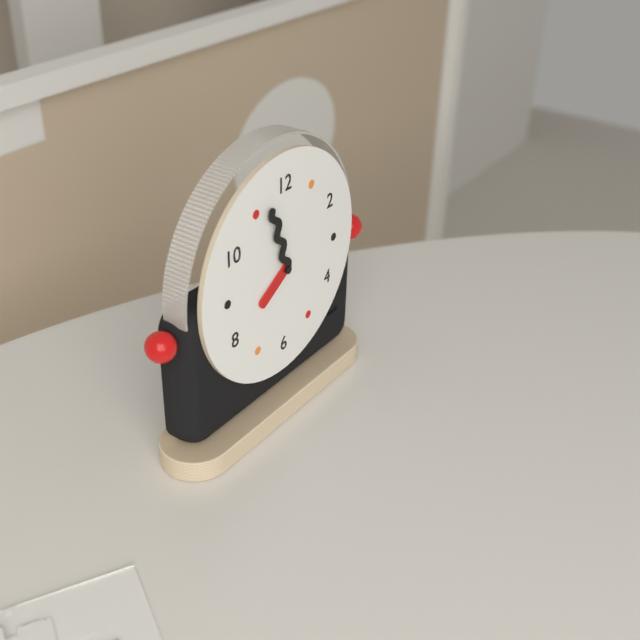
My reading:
{"hour": 7, "minute": 57}
